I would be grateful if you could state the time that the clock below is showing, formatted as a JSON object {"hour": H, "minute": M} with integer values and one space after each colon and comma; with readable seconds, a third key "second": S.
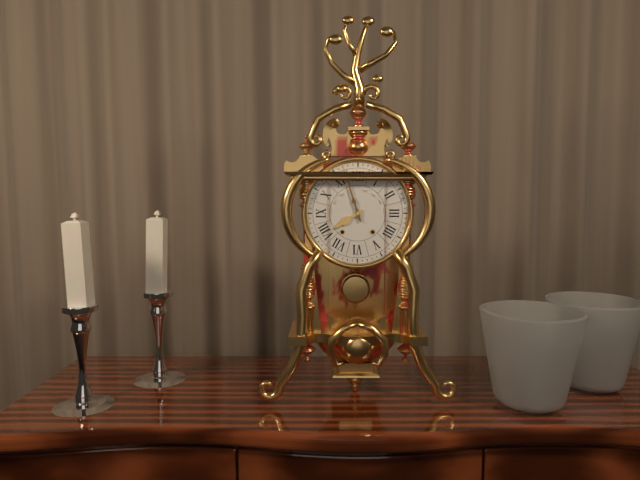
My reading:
{"hour": 7, "minute": 57}
